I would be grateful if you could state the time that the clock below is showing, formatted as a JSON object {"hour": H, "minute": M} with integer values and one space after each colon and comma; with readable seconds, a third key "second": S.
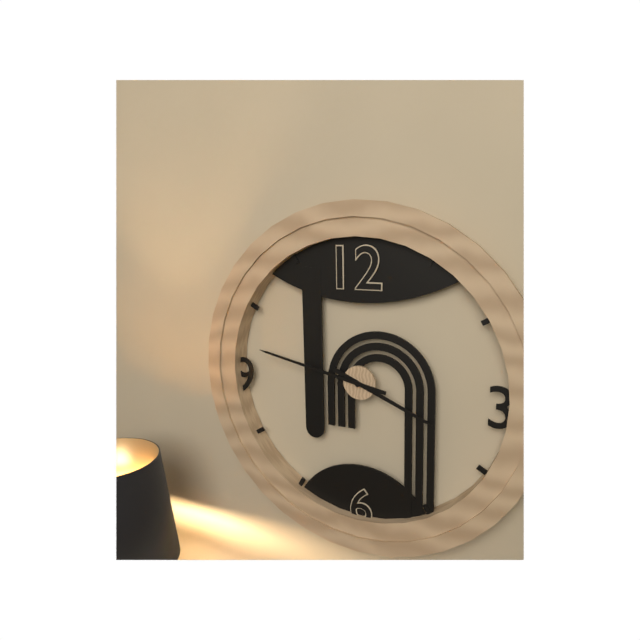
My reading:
{"hour": 3, "minute": 47}
